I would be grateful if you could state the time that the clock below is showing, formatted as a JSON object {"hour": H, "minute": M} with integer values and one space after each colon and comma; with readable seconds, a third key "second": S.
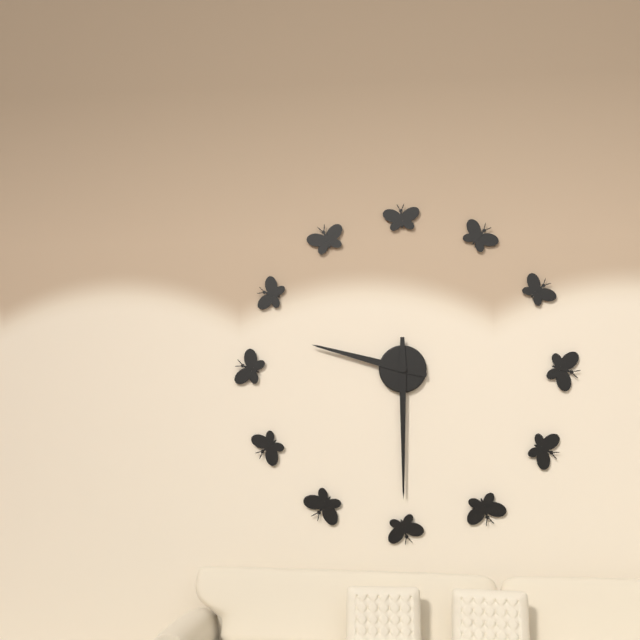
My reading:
{"hour": 9, "minute": 30}
